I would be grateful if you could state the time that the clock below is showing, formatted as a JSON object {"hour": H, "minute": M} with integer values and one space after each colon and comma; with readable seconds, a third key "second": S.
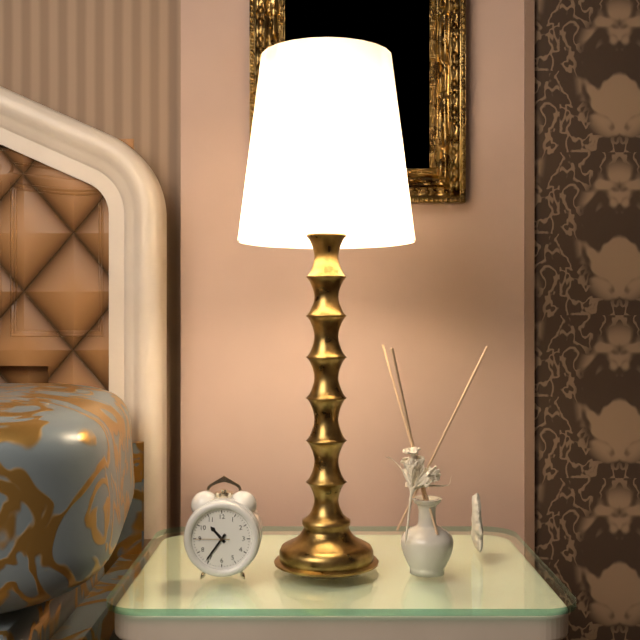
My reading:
{"hour": 10, "minute": 36}
